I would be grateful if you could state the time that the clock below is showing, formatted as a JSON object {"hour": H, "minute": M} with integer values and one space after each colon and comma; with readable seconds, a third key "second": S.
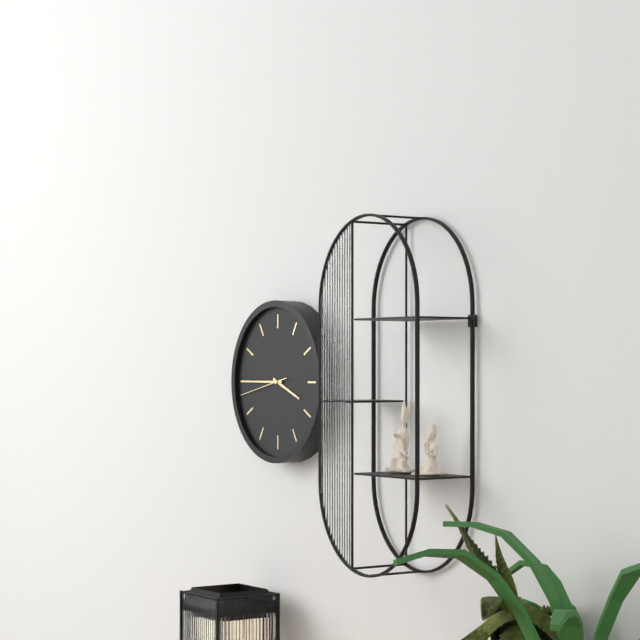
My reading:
{"hour": 3, "minute": 45}
